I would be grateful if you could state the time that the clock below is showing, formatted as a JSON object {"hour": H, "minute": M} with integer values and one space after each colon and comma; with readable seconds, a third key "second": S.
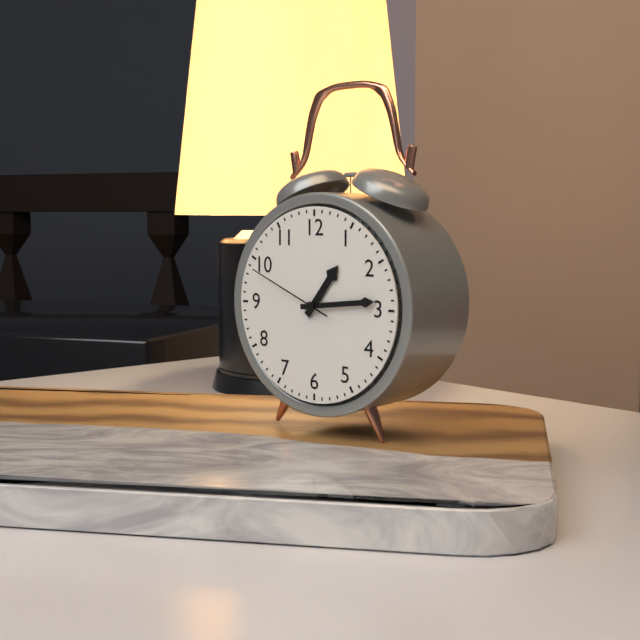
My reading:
{"hour": 1, "minute": 14, "second": 49}
